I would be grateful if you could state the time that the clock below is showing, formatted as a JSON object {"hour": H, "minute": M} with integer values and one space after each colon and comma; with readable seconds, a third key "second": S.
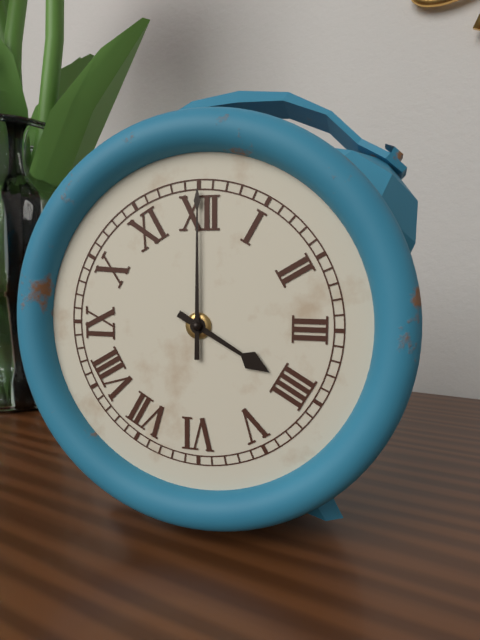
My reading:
{"hour": 4, "minute": 0}
